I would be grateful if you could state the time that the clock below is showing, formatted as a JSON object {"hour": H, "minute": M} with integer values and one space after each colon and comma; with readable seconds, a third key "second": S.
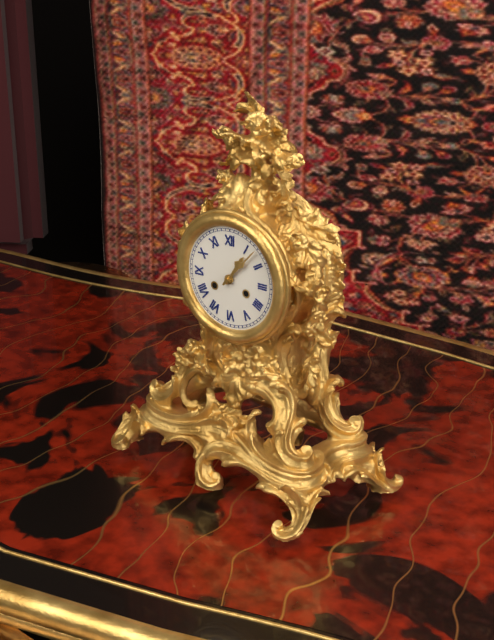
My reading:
{"hour": 1, "minute": 7}
